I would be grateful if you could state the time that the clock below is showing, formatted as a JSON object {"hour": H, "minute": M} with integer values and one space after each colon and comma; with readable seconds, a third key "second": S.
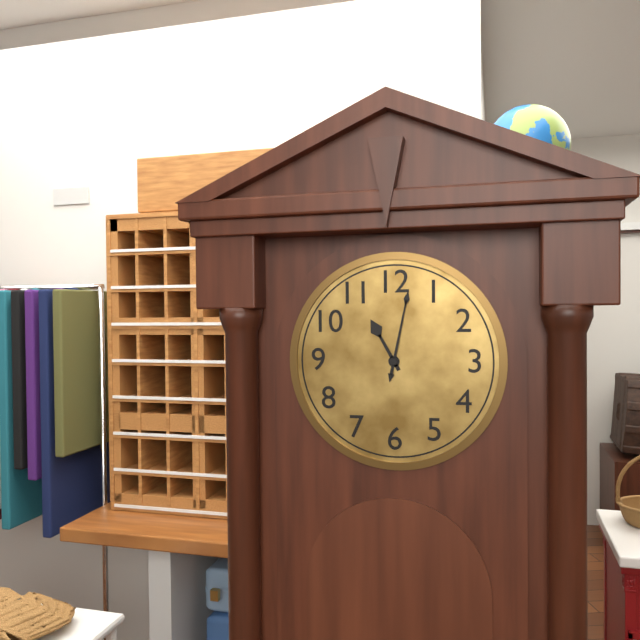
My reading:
{"hour": 11, "minute": 2}
